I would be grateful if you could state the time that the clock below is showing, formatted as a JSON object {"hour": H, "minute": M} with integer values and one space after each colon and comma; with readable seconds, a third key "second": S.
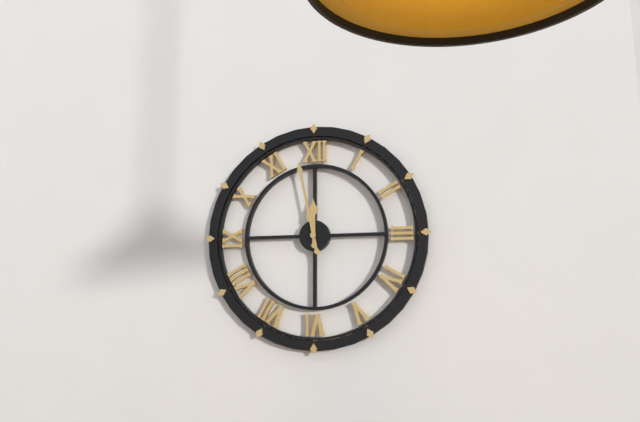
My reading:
{"hour": 11, "minute": 58}
